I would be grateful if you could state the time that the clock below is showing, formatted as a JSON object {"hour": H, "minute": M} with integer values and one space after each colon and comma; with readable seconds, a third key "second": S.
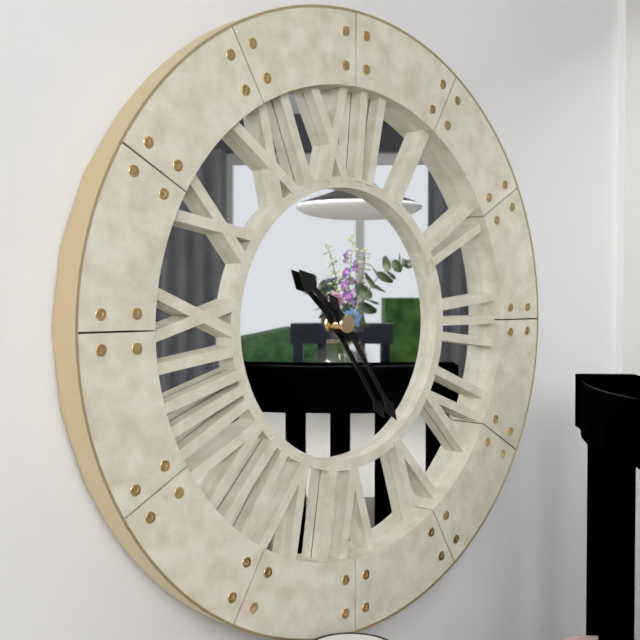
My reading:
{"hour": 10, "minute": 24}
